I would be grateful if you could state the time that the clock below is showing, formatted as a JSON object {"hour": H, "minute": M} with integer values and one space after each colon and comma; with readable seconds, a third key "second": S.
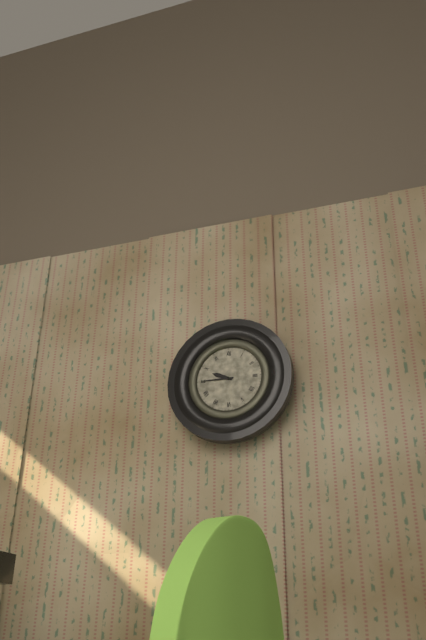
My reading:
{"hour": 9, "minute": 45}
